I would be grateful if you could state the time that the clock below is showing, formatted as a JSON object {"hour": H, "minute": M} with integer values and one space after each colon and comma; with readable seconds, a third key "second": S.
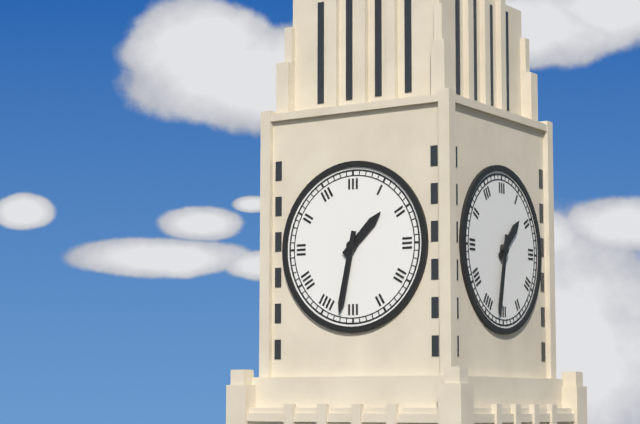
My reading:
{"hour": 1, "minute": 32}
